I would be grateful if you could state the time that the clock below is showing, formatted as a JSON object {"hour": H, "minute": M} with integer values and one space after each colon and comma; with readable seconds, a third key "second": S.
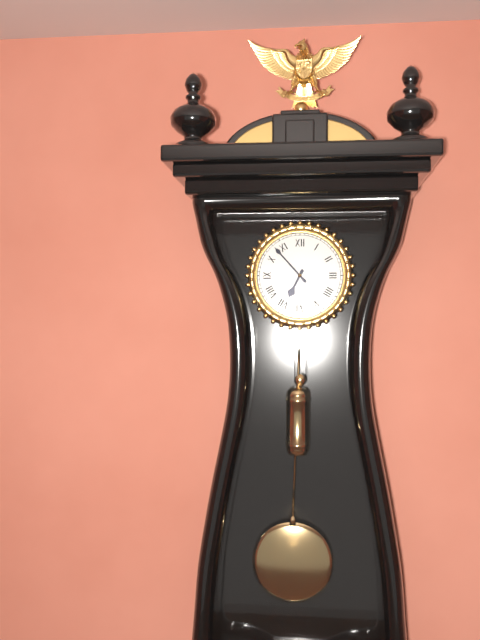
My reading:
{"hour": 6, "minute": 53}
